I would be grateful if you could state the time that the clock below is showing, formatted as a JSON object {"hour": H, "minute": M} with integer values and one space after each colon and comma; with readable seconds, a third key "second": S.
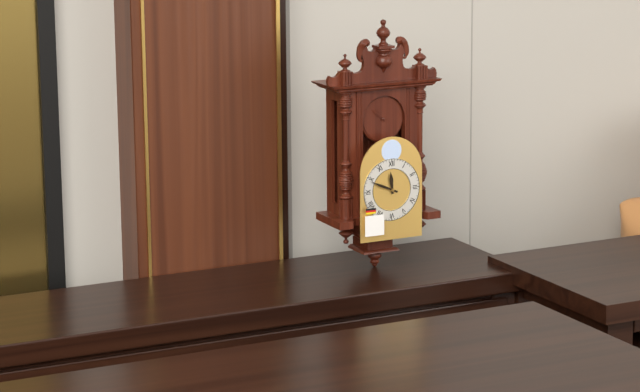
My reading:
{"hour": 11, "minute": 49}
